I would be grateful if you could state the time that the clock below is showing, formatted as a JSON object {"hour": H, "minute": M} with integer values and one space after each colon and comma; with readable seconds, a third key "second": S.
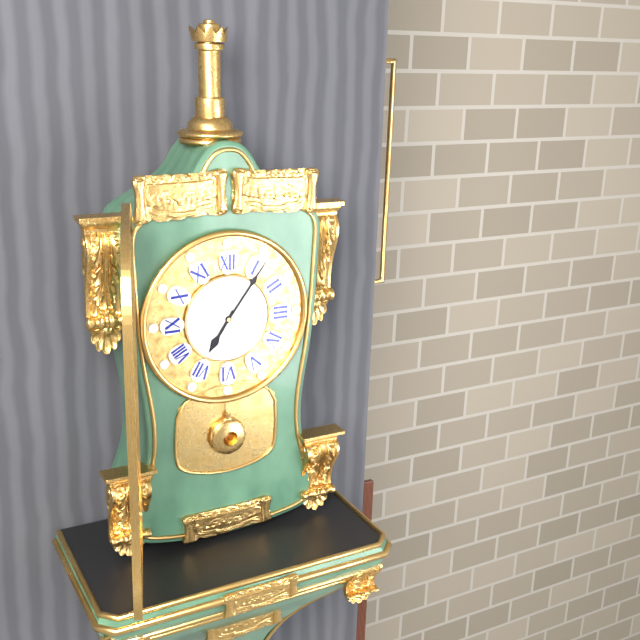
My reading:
{"hour": 7, "minute": 6}
